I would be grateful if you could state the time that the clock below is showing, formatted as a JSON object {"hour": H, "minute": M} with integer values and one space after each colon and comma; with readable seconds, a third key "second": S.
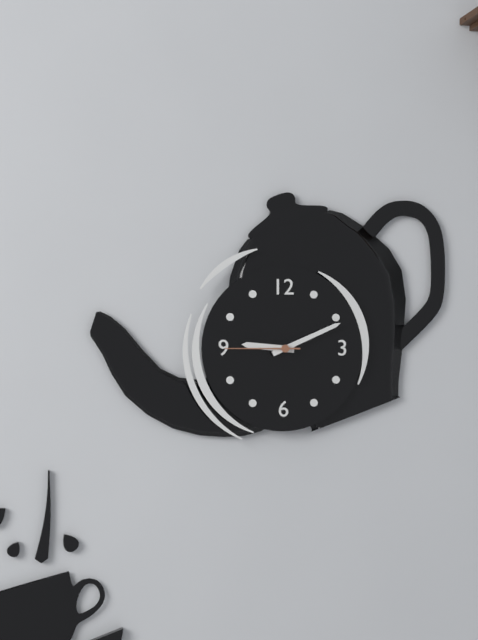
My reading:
{"hour": 9, "minute": 11, "second": 45}
